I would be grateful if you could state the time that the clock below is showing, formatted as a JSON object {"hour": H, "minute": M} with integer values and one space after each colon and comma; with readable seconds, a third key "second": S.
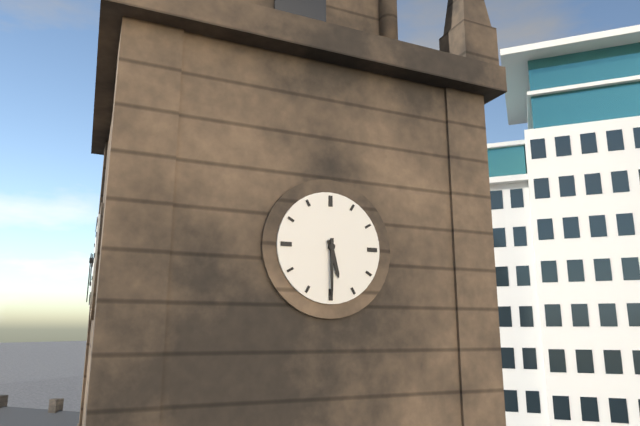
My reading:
{"hour": 5, "minute": 30}
